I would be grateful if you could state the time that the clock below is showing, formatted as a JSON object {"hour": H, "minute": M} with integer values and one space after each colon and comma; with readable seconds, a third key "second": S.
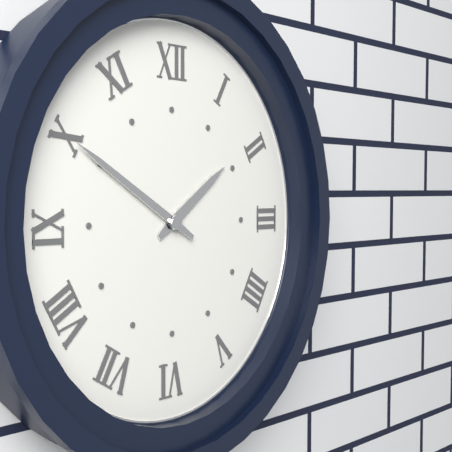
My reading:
{"hour": 1, "minute": 50}
